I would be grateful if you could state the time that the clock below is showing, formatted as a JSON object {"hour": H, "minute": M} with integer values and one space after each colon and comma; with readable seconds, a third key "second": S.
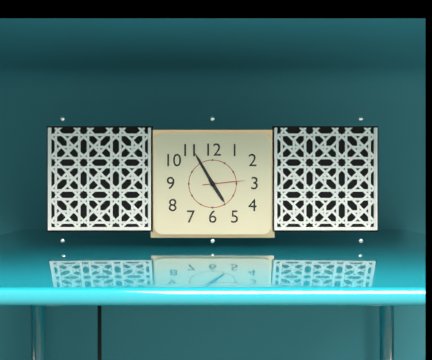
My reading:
{"hour": 4, "minute": 55}
